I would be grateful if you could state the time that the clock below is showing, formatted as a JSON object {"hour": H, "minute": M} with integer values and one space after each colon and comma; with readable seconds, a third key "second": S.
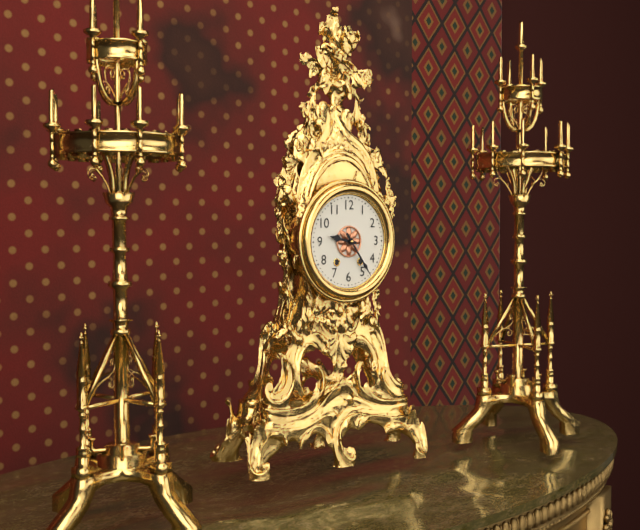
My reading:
{"hour": 9, "minute": 24}
